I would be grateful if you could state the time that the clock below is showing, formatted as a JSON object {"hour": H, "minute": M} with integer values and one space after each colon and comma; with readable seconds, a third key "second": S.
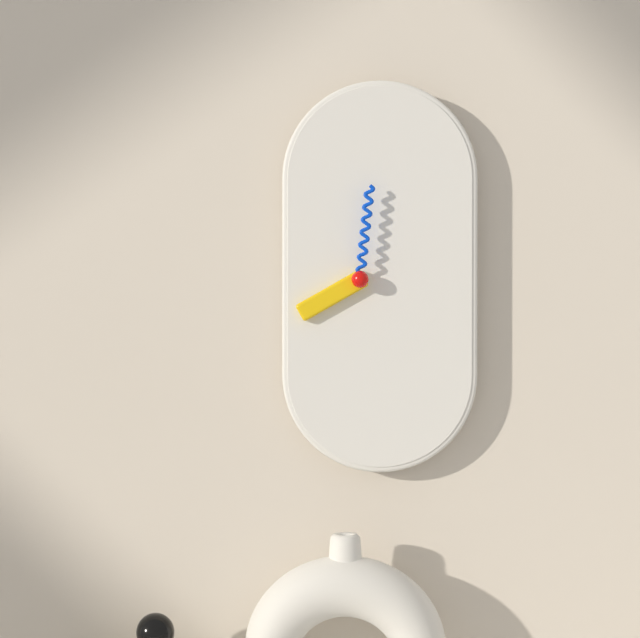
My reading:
{"hour": 8, "minute": 1}
